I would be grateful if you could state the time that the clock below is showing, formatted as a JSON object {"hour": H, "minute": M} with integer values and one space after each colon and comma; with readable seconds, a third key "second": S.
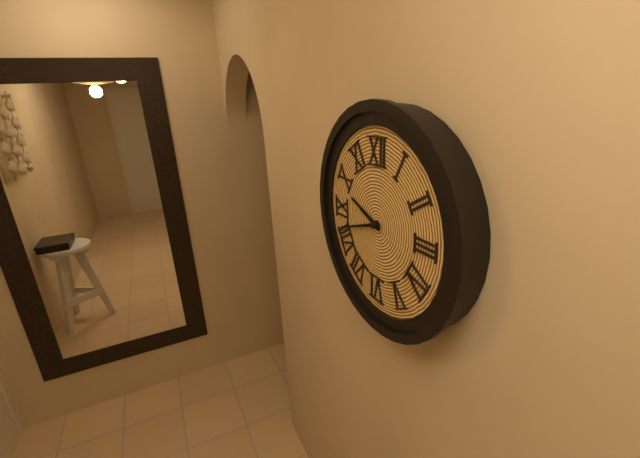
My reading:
{"hour": 9, "minute": 42}
